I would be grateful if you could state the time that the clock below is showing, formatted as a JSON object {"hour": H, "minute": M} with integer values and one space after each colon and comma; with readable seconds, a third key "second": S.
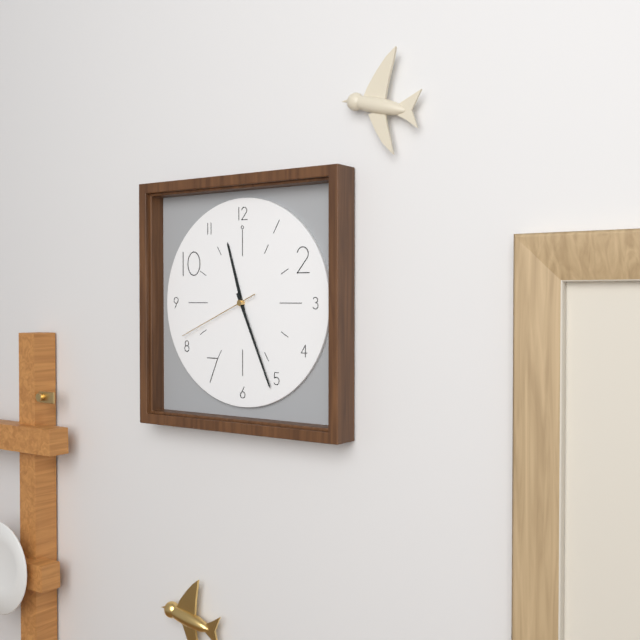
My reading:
{"hour": 11, "minute": 26, "second": 41}
